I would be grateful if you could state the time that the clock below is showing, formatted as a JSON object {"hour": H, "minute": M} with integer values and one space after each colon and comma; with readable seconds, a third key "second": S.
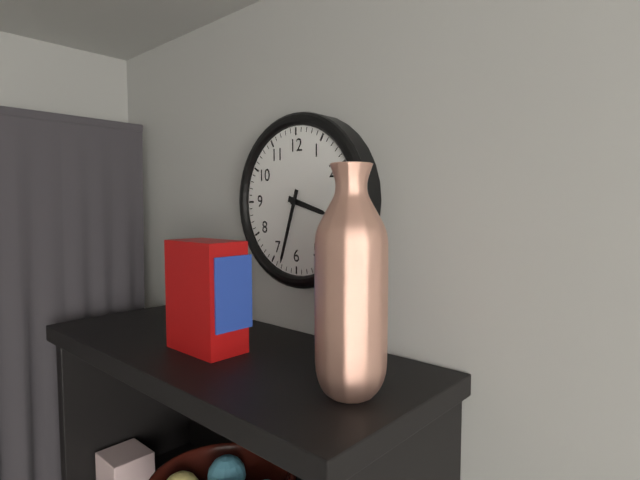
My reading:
{"hour": 3, "minute": 33}
